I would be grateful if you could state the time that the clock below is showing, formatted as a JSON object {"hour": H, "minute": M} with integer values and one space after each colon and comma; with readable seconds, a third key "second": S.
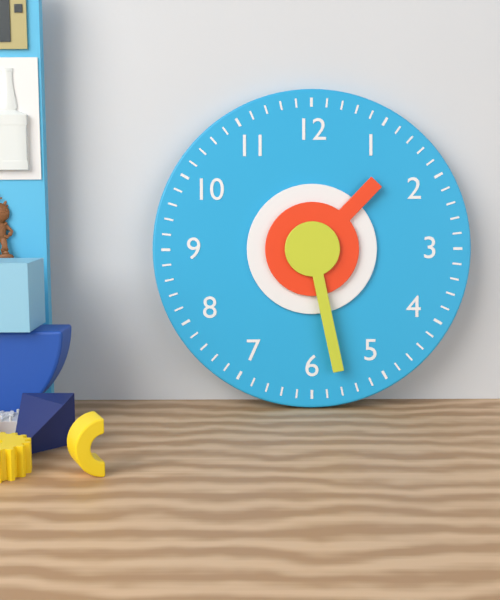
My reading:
{"hour": 1, "minute": 28}
